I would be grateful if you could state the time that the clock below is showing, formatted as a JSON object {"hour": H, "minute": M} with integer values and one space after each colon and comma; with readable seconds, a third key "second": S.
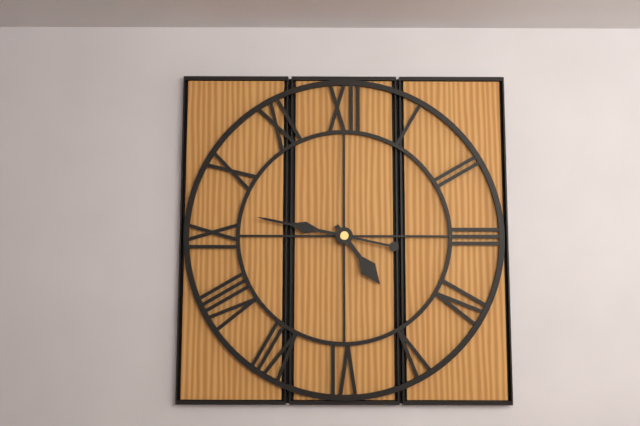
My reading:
{"hour": 4, "minute": 47}
